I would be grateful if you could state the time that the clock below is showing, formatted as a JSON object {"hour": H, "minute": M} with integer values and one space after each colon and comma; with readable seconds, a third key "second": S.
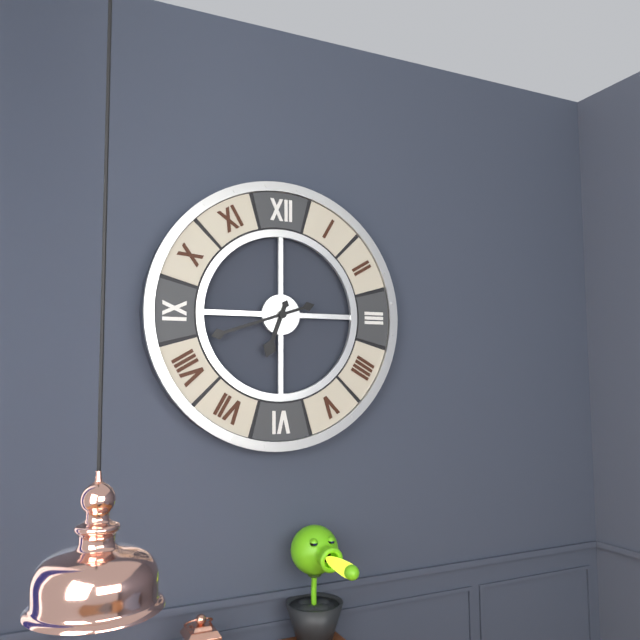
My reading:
{"hour": 6, "minute": 42}
